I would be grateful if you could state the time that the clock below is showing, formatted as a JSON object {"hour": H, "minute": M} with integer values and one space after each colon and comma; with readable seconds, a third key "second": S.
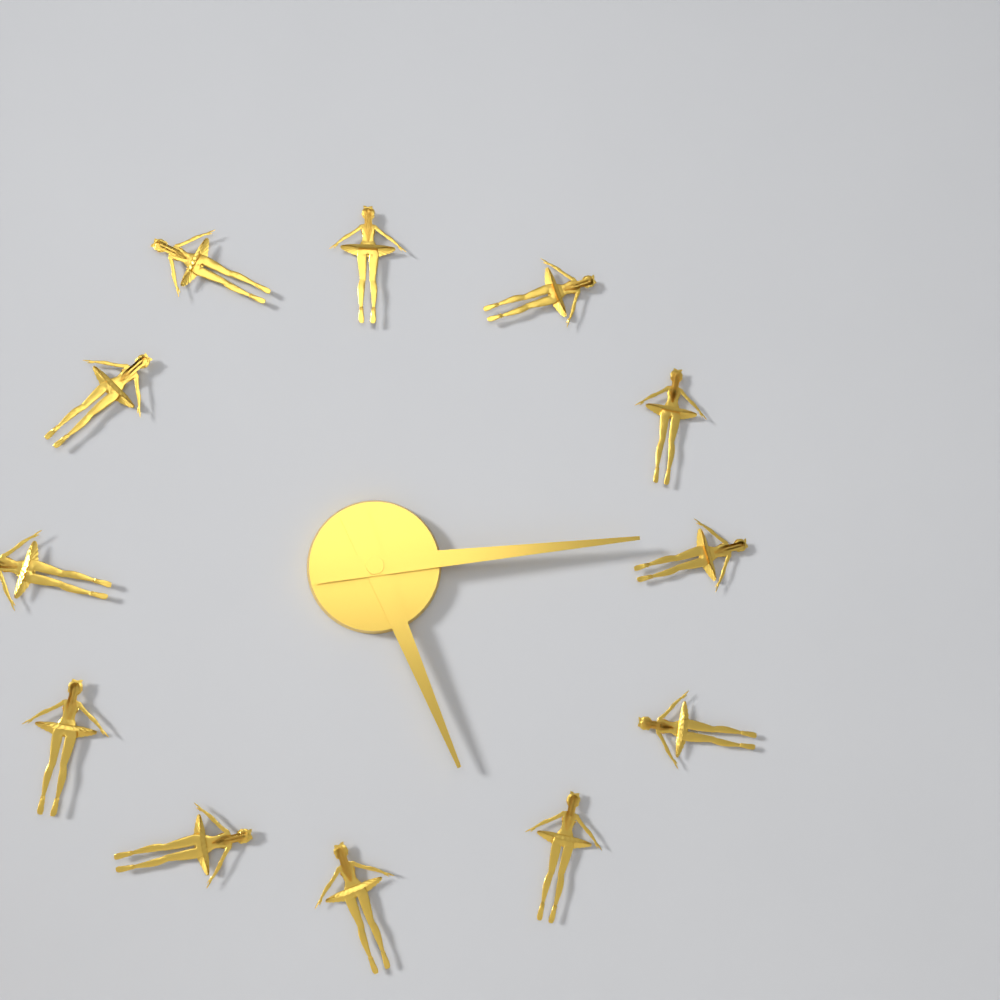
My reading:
{"hour": 5, "minute": 14}
